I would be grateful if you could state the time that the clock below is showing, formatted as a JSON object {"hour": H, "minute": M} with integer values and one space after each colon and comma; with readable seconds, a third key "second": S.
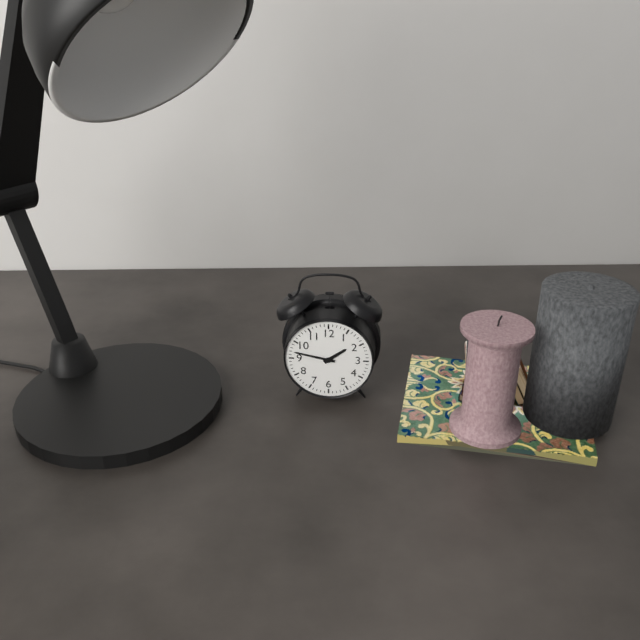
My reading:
{"hour": 1, "minute": 47}
